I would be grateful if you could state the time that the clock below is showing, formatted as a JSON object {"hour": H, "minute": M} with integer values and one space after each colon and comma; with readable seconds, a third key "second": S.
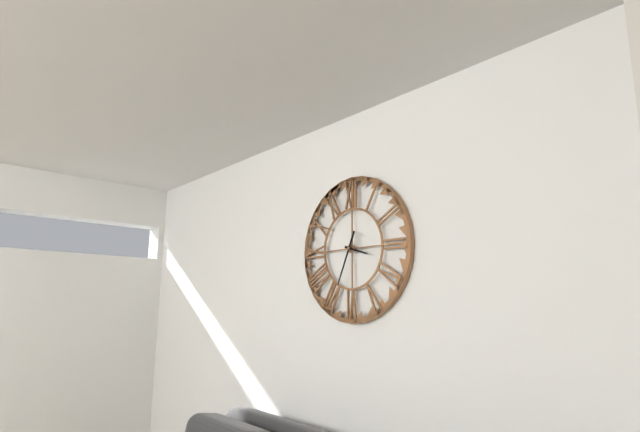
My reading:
{"hour": 3, "minute": 34}
